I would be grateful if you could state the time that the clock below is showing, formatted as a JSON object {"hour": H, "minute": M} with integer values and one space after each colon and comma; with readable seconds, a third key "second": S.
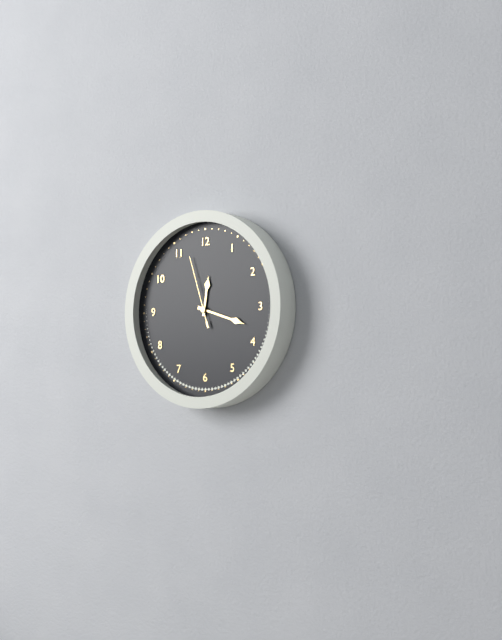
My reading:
{"hour": 12, "minute": 18, "second": 57}
